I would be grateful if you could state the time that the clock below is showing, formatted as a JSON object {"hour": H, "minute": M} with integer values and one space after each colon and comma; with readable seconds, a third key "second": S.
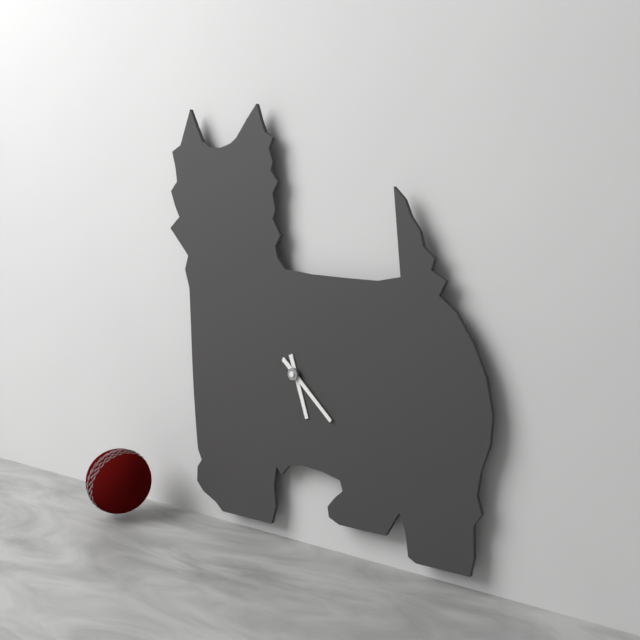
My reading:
{"hour": 5, "minute": 22}
